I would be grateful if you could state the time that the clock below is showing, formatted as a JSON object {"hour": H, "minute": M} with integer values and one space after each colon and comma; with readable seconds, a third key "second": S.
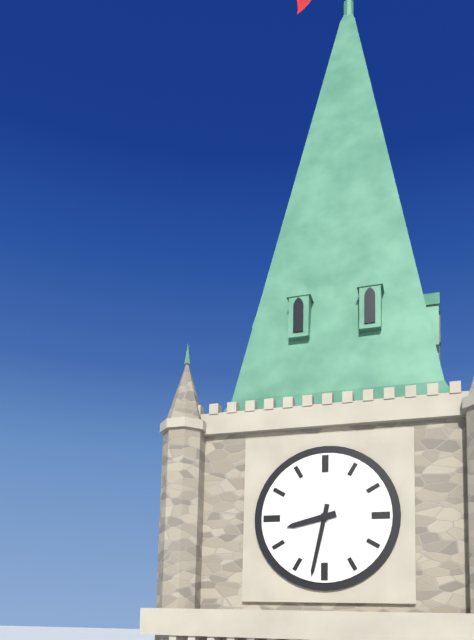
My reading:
{"hour": 8, "minute": 32}
